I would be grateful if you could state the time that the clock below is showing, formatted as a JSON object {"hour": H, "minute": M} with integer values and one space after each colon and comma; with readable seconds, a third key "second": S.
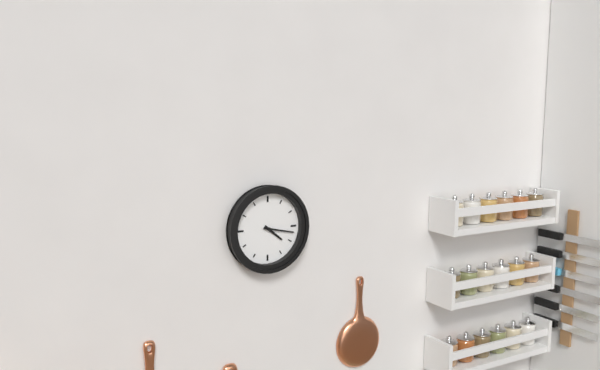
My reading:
{"hour": 4, "minute": 17}
